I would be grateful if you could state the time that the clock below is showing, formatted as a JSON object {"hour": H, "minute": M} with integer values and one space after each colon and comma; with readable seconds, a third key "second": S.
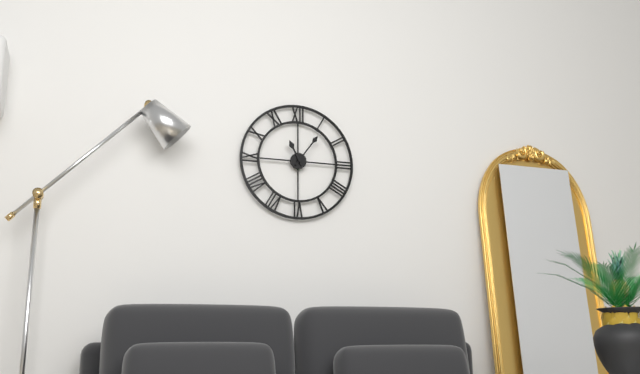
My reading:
{"hour": 11, "minute": 6}
